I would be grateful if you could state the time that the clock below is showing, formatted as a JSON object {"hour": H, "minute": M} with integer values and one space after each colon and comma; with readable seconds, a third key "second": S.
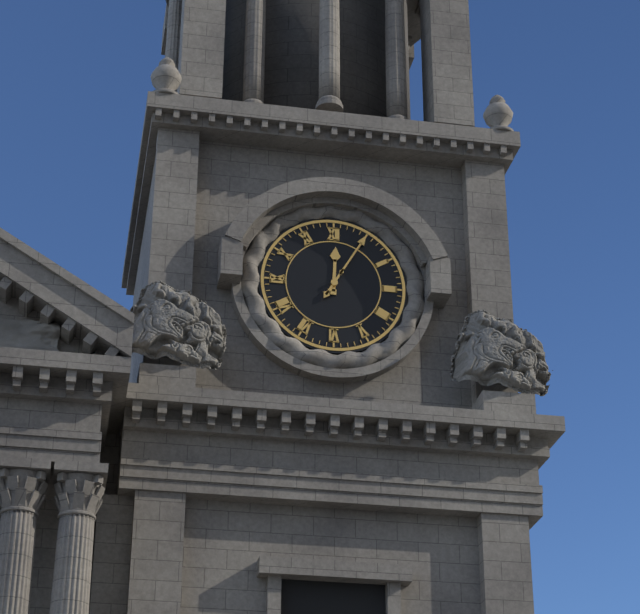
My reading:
{"hour": 12, "minute": 5}
